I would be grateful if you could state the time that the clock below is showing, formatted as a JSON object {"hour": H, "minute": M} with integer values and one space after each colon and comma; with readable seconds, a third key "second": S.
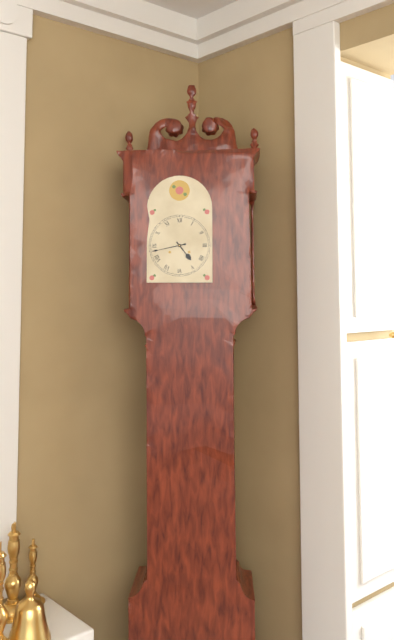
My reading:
{"hour": 4, "minute": 43}
